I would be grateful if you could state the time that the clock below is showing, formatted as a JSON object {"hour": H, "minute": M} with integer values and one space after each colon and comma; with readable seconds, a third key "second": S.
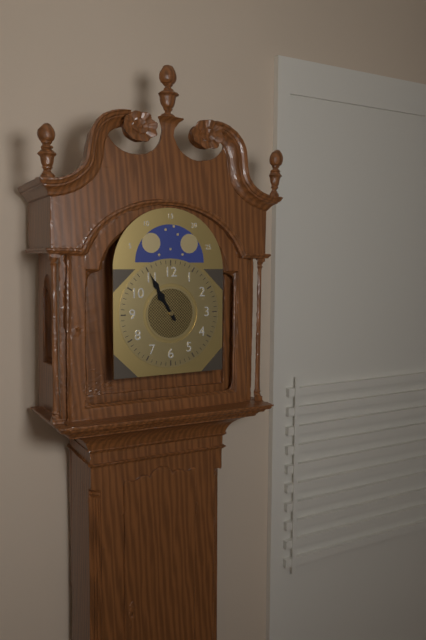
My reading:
{"hour": 10, "minute": 55}
